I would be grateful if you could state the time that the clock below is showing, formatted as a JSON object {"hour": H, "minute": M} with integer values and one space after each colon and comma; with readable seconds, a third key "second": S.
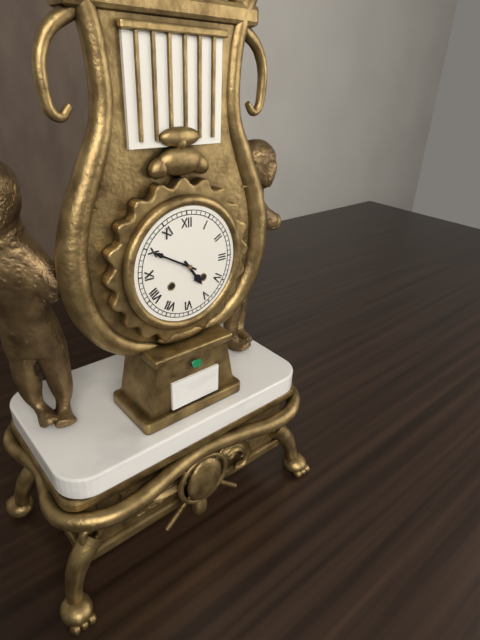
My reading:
{"hour": 4, "minute": 50}
